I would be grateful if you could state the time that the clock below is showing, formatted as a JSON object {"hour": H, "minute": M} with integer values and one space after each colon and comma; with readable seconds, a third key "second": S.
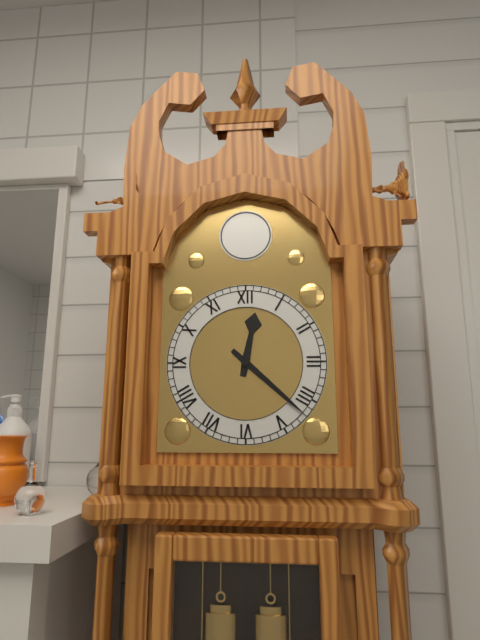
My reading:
{"hour": 12, "minute": 22}
